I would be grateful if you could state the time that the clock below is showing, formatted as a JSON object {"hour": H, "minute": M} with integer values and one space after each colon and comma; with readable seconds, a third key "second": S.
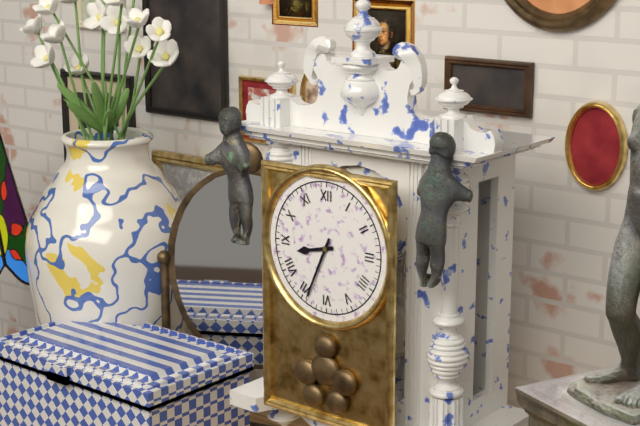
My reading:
{"hour": 8, "minute": 34}
